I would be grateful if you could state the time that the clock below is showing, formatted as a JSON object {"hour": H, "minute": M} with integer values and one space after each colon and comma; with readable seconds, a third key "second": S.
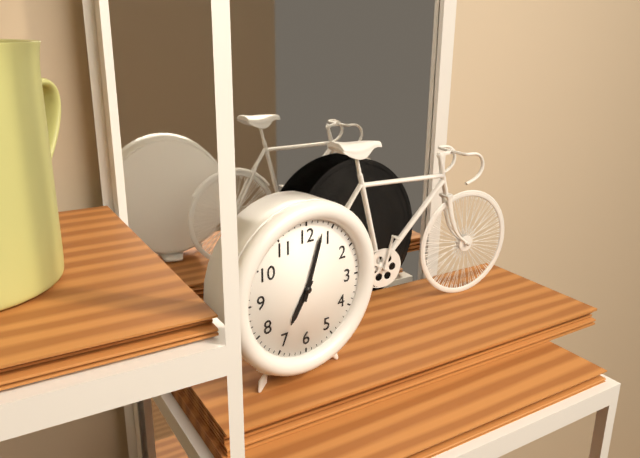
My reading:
{"hour": 7, "minute": 3}
